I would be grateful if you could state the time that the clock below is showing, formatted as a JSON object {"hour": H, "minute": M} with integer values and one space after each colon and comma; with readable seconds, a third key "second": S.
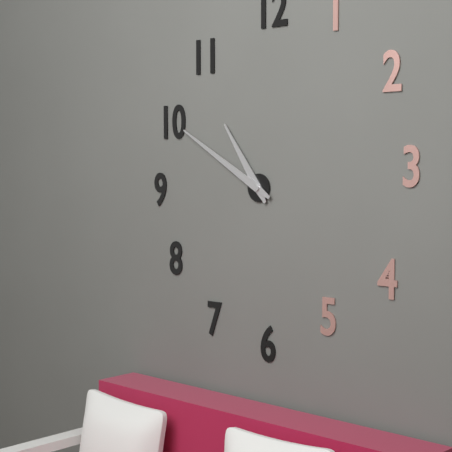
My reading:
{"hour": 10, "minute": 50}
